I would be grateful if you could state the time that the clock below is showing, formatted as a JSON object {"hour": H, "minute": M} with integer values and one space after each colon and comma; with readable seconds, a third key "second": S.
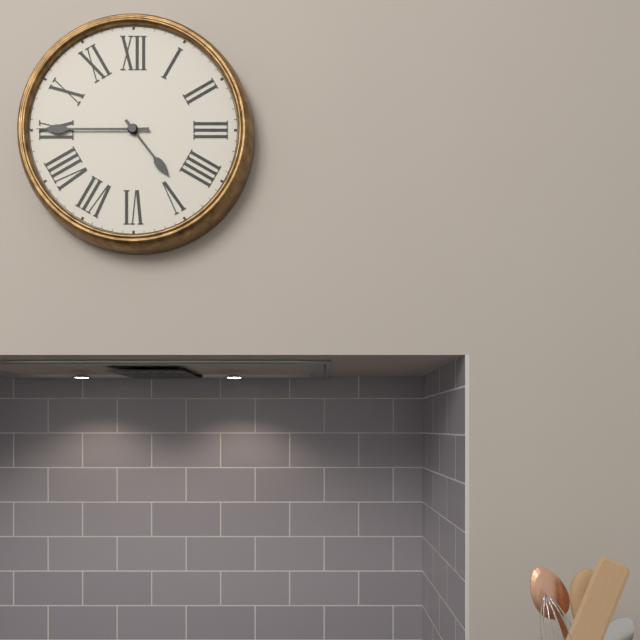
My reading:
{"hour": 4, "minute": 45}
